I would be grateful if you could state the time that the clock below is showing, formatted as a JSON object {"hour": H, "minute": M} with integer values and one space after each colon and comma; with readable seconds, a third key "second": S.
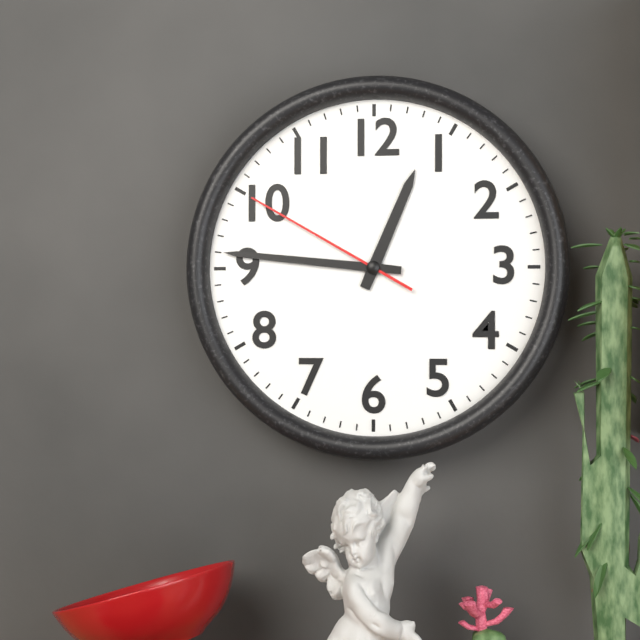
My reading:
{"hour": 12, "minute": 46, "second": 50}
